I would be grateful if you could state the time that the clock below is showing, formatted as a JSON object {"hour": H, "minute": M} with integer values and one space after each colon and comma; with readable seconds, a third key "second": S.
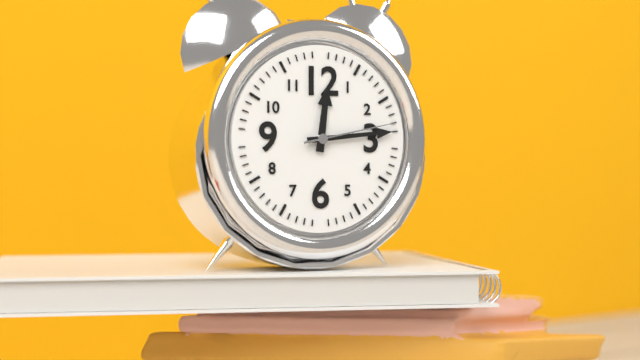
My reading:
{"hour": 12, "minute": 14, "second": 13}
